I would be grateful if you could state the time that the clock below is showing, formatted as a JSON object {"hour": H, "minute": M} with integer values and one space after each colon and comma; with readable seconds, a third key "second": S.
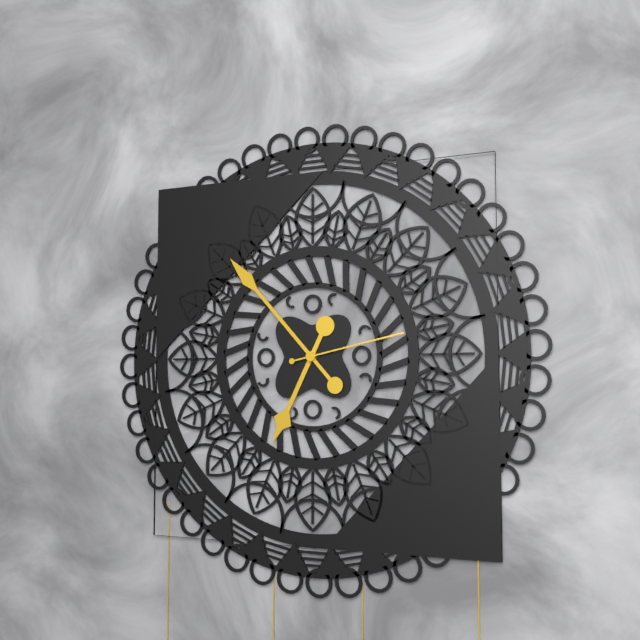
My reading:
{"hour": 6, "minute": 53, "second": 13}
